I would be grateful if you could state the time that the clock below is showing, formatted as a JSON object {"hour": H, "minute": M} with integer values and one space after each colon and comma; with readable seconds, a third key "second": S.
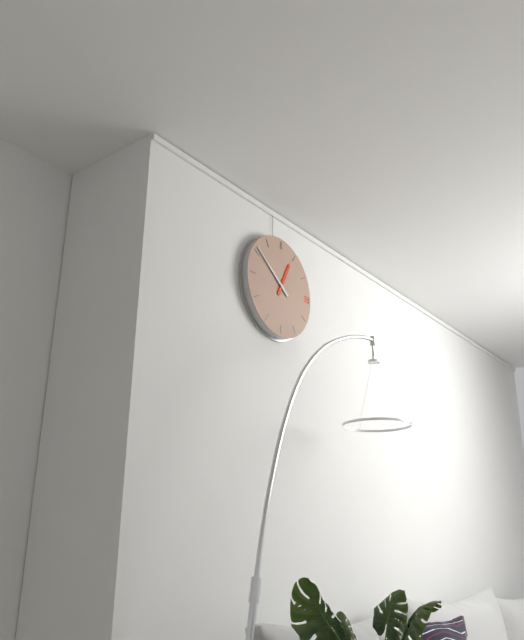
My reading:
{"hour": 12, "minute": 51}
